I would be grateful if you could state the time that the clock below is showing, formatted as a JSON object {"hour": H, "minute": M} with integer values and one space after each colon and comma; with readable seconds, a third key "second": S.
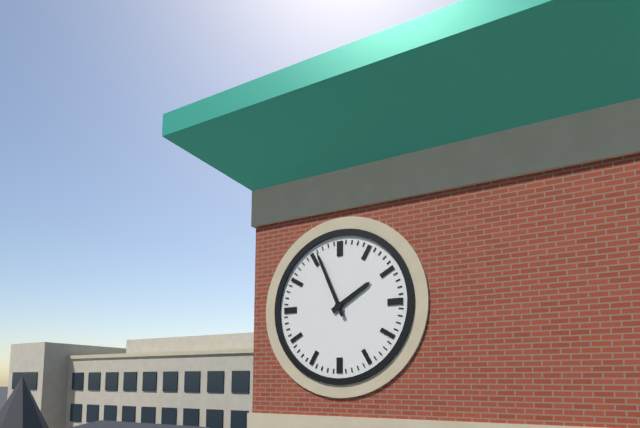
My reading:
{"hour": 1, "minute": 56}
